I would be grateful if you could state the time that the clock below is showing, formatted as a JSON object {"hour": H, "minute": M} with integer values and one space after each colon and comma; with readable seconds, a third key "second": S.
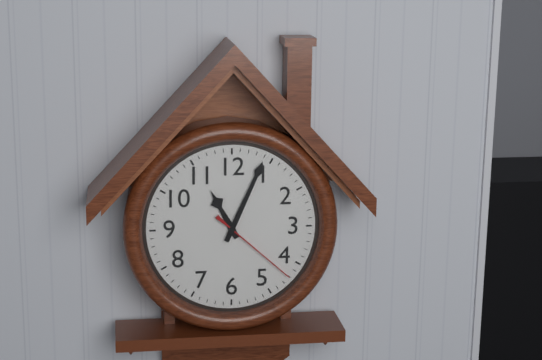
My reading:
{"hour": 11, "minute": 4, "second": 22}
